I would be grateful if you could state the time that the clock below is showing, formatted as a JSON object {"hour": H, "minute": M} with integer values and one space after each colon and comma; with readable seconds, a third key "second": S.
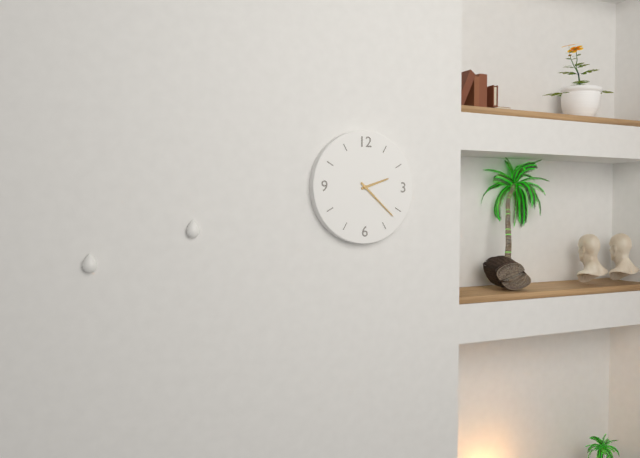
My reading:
{"hour": 2, "minute": 22}
